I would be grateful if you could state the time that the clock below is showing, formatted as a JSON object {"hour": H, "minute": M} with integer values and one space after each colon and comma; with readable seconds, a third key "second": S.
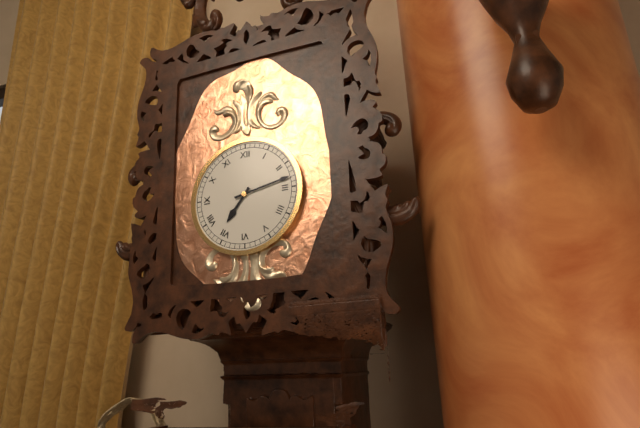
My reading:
{"hour": 7, "minute": 13}
